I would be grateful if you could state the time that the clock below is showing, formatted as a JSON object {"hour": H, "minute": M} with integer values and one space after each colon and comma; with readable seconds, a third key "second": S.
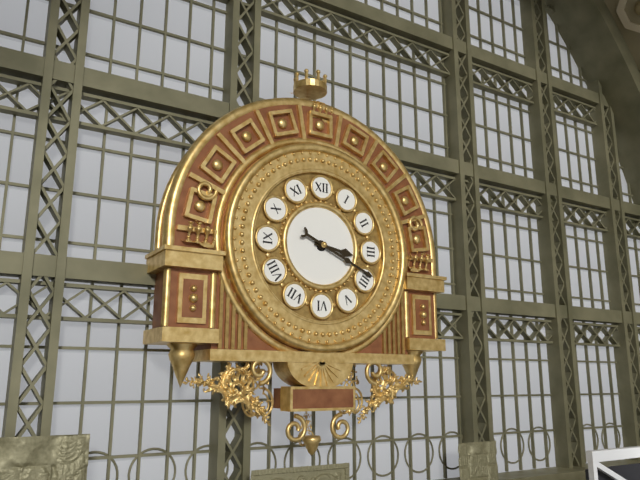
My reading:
{"hour": 3, "minute": 19}
